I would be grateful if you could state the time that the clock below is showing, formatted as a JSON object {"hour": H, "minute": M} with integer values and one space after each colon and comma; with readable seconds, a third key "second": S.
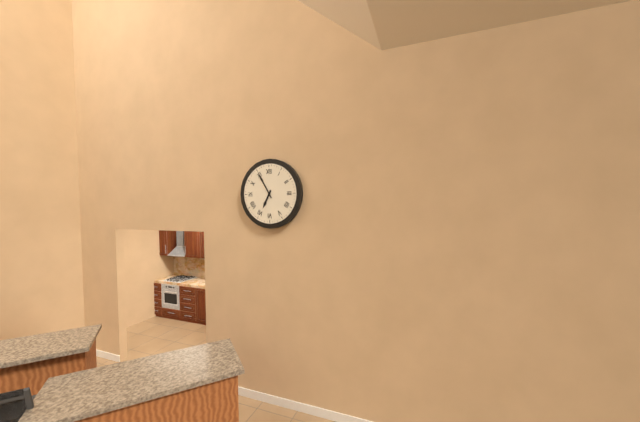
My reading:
{"hour": 6, "minute": 55}
